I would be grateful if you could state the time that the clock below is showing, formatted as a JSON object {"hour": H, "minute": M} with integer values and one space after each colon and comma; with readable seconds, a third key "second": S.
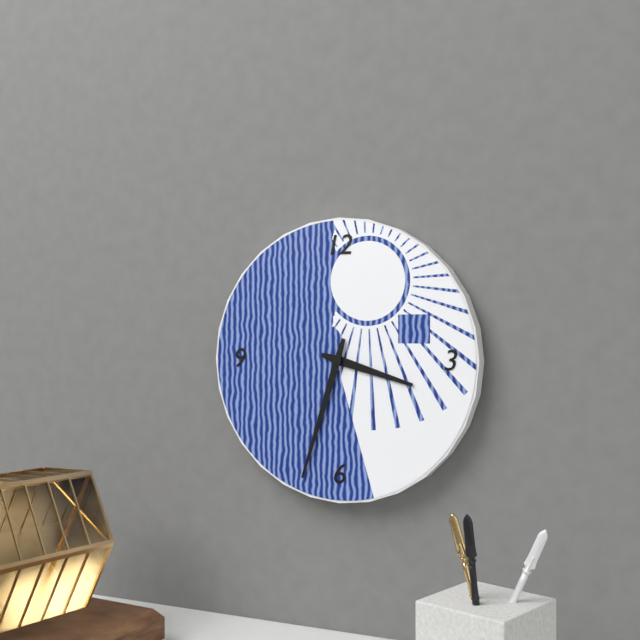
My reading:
{"hour": 3, "minute": 33}
